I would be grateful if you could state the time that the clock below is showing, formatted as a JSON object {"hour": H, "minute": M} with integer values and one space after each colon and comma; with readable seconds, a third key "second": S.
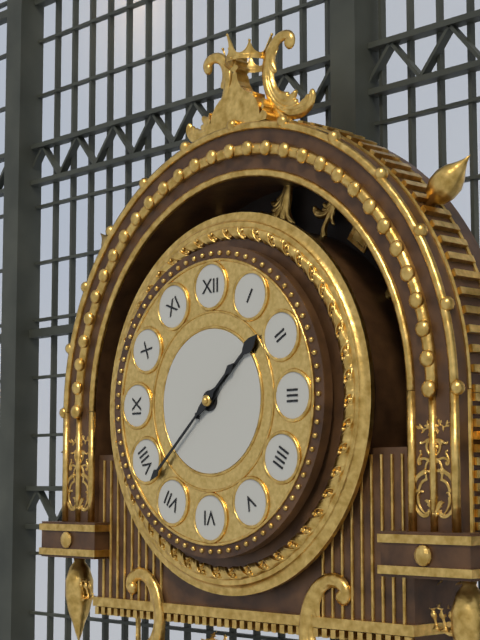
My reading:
{"hour": 1, "minute": 38}
